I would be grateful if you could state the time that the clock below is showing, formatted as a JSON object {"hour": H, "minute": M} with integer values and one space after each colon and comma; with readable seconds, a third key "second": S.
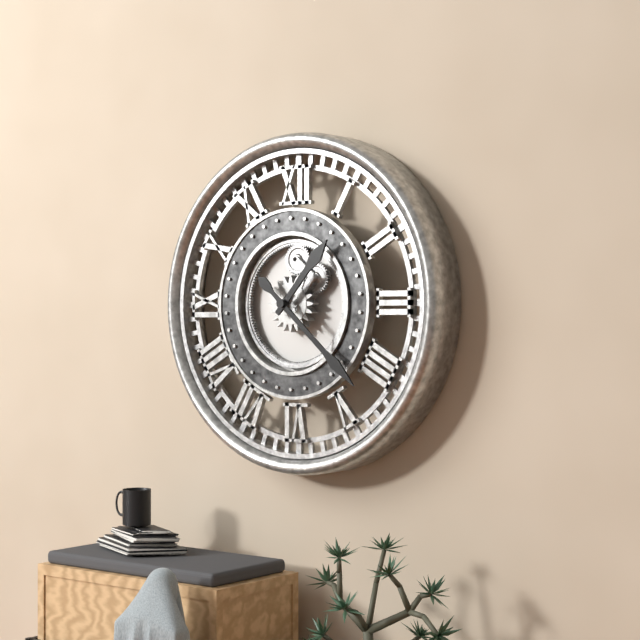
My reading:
{"hour": 1, "minute": 22}
